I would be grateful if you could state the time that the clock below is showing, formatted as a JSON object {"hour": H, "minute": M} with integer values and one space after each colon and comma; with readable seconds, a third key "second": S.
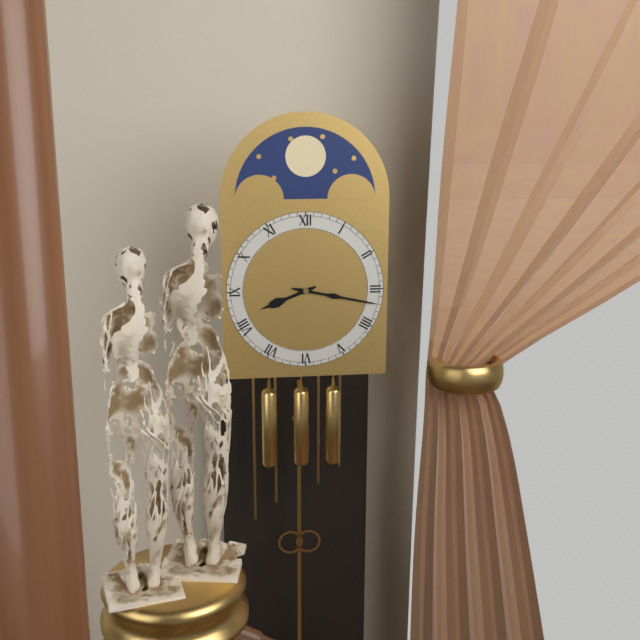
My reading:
{"hour": 8, "minute": 17}
